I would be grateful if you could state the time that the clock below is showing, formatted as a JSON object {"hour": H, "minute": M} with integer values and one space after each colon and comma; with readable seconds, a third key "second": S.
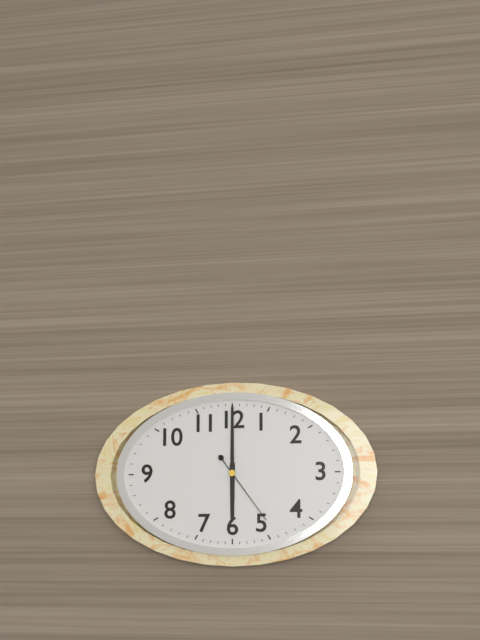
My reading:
{"hour": 6, "minute": 0, "second": 24}
